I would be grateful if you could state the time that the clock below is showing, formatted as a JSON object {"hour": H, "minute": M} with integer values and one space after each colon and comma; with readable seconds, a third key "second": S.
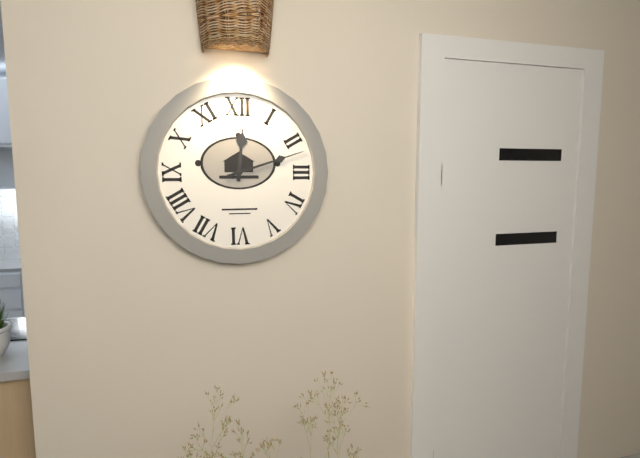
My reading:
{"hour": 12, "minute": 12}
